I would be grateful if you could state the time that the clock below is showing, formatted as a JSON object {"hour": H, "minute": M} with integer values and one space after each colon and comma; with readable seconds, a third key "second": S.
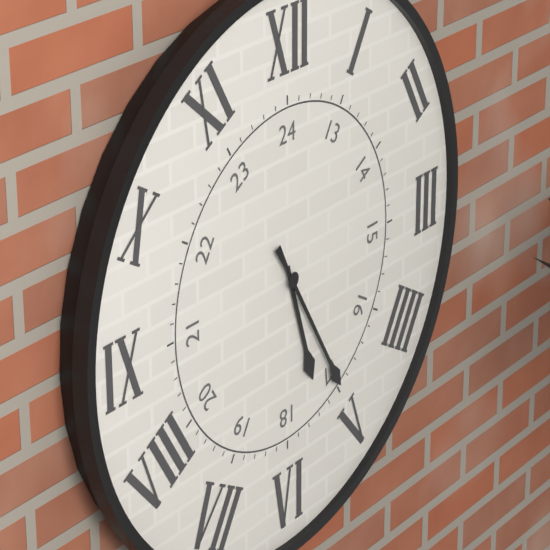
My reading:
{"hour": 5, "minute": 25}
